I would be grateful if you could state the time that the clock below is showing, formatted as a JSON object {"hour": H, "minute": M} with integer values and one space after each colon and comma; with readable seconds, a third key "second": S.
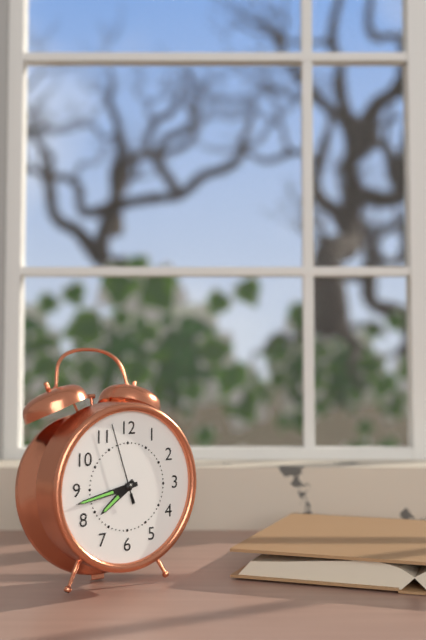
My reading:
{"hour": 7, "minute": 43, "second": 57}
